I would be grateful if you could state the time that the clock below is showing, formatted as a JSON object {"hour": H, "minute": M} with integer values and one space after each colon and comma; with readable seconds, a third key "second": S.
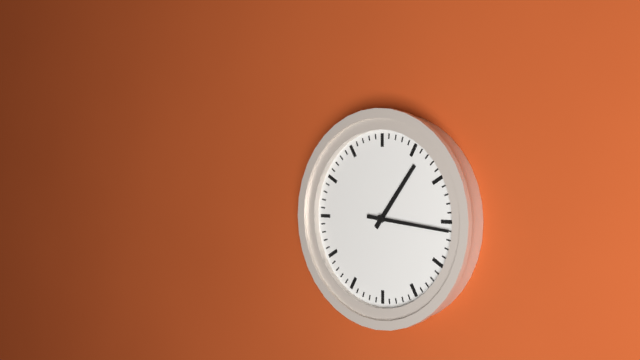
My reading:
{"hour": 1, "minute": 16}
